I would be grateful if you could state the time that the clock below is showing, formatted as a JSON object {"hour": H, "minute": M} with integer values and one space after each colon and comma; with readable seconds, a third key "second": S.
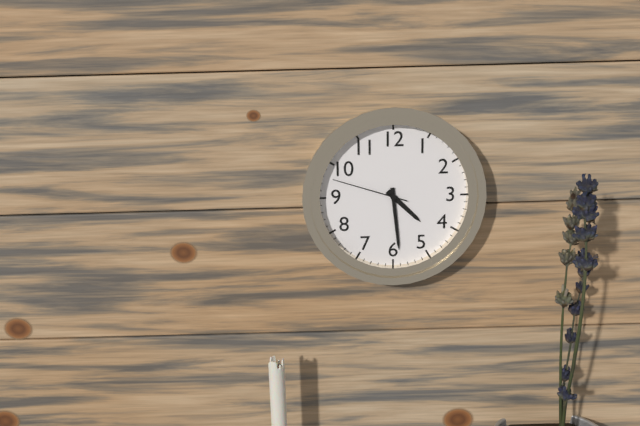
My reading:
{"hour": 4, "minute": 29, "second": 48}
